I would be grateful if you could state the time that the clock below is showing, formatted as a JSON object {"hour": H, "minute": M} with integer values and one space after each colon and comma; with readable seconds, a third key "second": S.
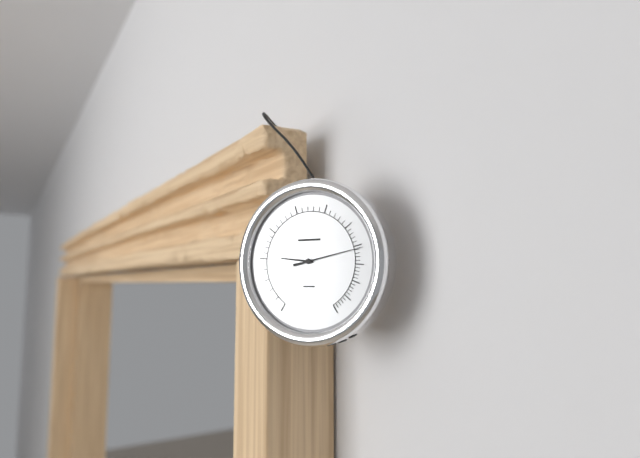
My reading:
{"hour": 9, "minute": 13}
